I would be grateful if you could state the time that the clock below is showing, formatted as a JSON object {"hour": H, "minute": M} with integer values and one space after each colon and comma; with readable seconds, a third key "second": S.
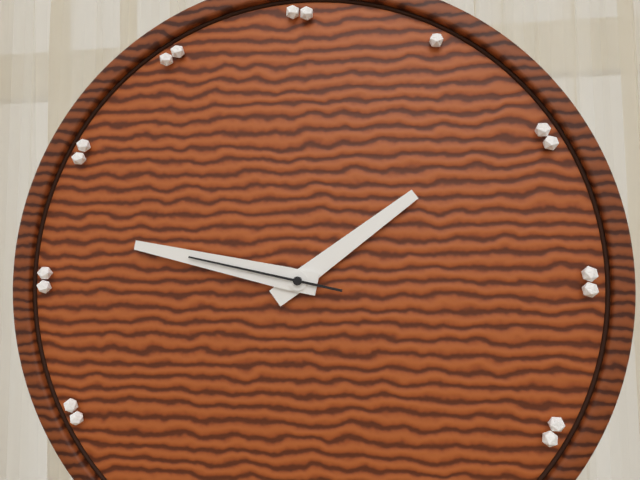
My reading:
{"hour": 1, "minute": 47, "second": 47}
